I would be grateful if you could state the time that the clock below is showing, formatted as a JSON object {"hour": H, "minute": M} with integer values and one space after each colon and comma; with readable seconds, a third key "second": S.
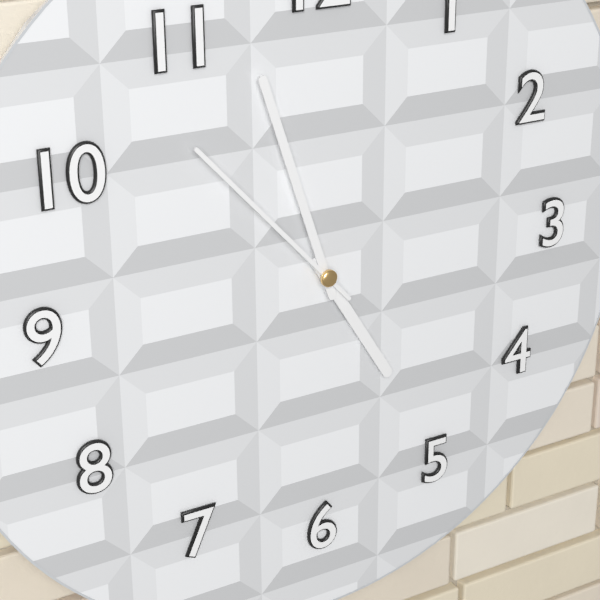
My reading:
{"hour": 4, "minute": 57, "second": 53}
